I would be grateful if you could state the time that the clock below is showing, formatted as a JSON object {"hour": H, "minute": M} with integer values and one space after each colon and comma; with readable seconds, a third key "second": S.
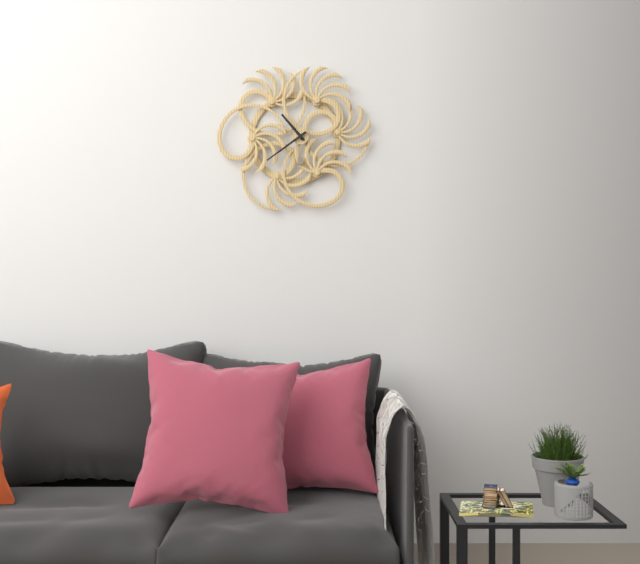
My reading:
{"hour": 10, "minute": 39}
